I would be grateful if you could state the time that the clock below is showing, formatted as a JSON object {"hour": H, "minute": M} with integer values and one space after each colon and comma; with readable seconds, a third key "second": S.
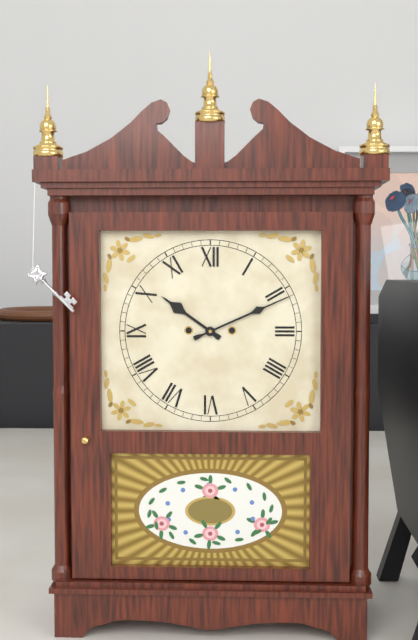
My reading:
{"hour": 10, "minute": 11}
